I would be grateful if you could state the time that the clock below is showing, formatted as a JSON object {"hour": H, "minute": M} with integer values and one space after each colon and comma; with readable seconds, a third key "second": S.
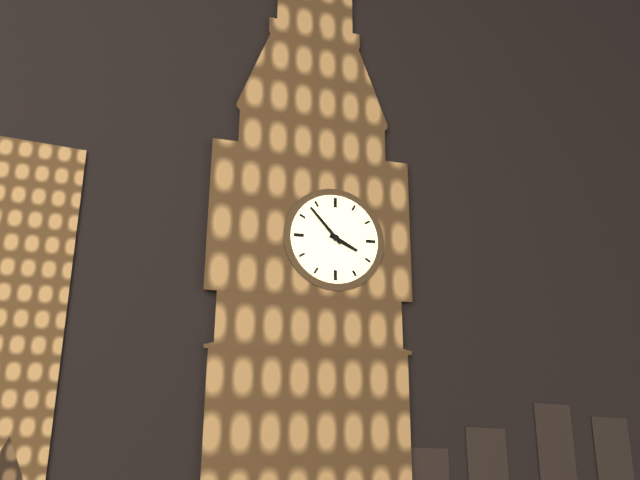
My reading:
{"hour": 3, "minute": 53}
